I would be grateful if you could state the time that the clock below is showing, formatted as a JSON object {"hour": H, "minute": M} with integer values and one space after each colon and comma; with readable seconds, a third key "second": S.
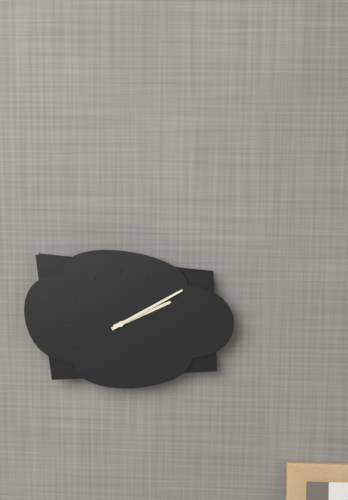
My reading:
{"hour": 2, "minute": 10}
